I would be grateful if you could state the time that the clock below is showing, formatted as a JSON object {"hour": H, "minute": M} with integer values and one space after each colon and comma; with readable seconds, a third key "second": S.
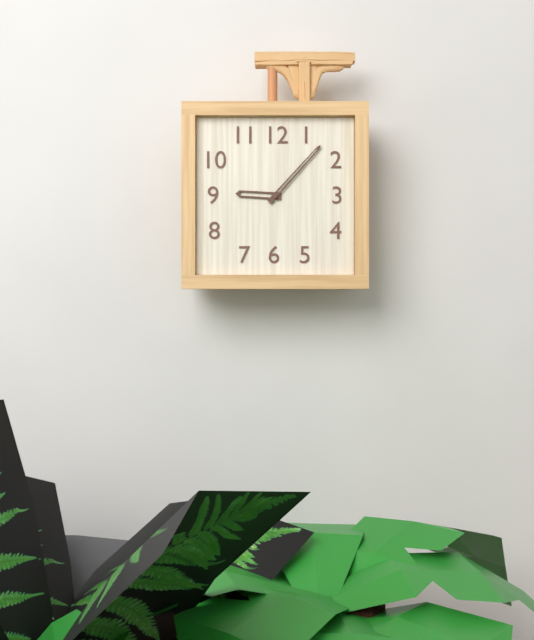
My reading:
{"hour": 9, "minute": 7}
